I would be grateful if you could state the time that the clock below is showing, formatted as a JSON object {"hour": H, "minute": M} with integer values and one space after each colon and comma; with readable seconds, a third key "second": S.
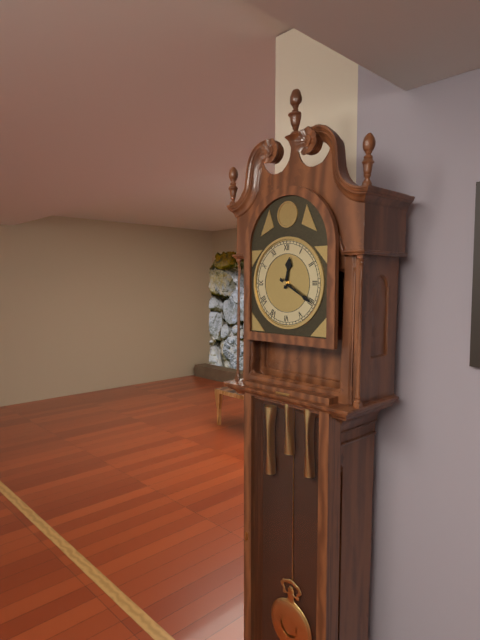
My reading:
{"hour": 12, "minute": 20}
